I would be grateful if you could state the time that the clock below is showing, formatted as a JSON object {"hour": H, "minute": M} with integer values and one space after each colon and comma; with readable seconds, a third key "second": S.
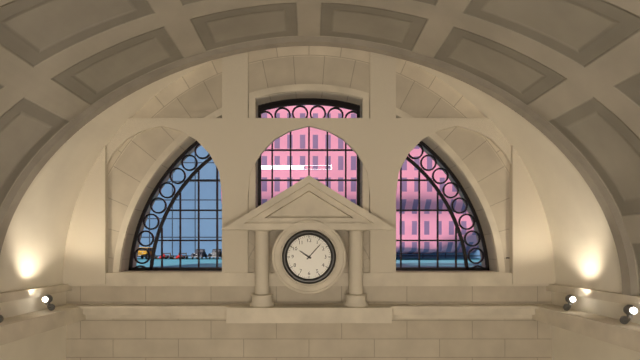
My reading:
{"hour": 10, "minute": 7}
